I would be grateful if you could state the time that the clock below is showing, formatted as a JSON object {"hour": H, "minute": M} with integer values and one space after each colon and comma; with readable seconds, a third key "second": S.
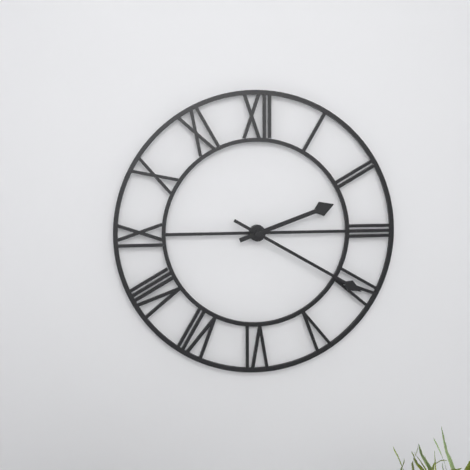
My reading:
{"hour": 2, "minute": 20}
